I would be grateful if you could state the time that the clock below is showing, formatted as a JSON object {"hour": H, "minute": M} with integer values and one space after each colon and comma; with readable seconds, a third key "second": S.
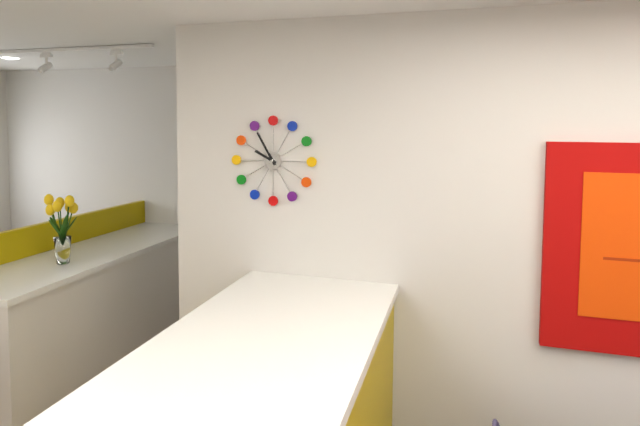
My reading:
{"hour": 9, "minute": 55}
